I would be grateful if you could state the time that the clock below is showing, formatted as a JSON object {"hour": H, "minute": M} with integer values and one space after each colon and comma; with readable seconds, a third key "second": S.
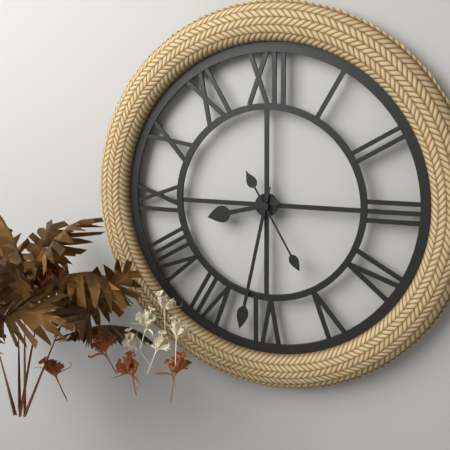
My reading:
{"hour": 8, "minute": 32, "second": 25}
